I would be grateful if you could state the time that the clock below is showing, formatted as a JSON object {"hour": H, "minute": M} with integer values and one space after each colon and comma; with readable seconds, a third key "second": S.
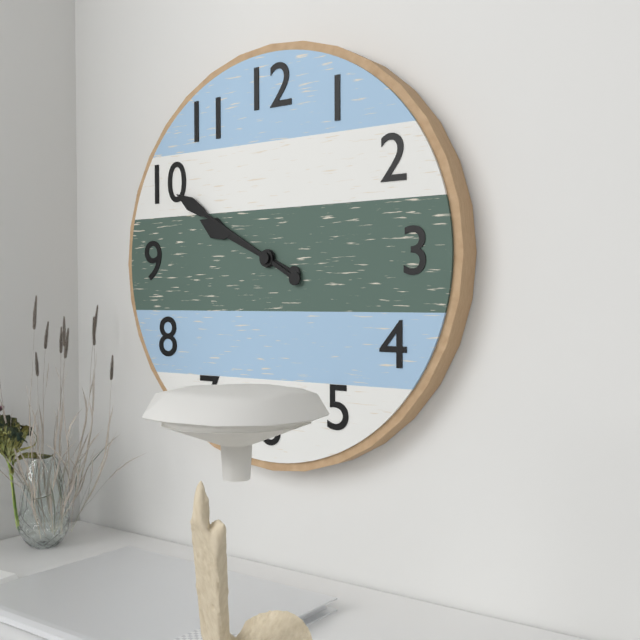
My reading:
{"hour": 9, "minute": 50}
